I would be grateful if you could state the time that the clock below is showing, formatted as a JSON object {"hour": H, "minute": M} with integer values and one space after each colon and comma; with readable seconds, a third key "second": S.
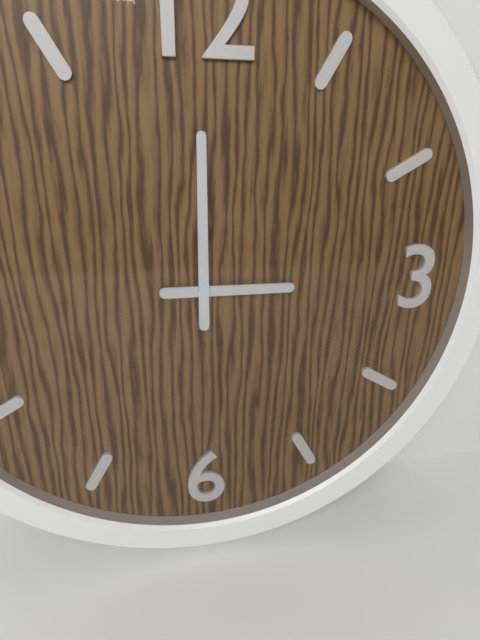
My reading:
{"hour": 3, "minute": 0}
